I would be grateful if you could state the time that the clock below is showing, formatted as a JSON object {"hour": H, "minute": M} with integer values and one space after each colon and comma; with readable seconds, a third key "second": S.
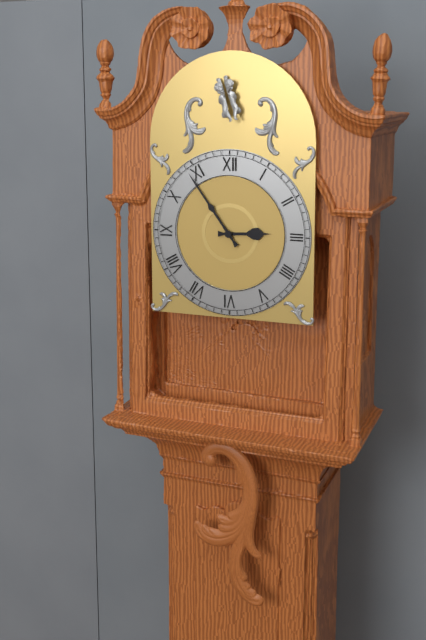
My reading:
{"hour": 2, "minute": 54}
